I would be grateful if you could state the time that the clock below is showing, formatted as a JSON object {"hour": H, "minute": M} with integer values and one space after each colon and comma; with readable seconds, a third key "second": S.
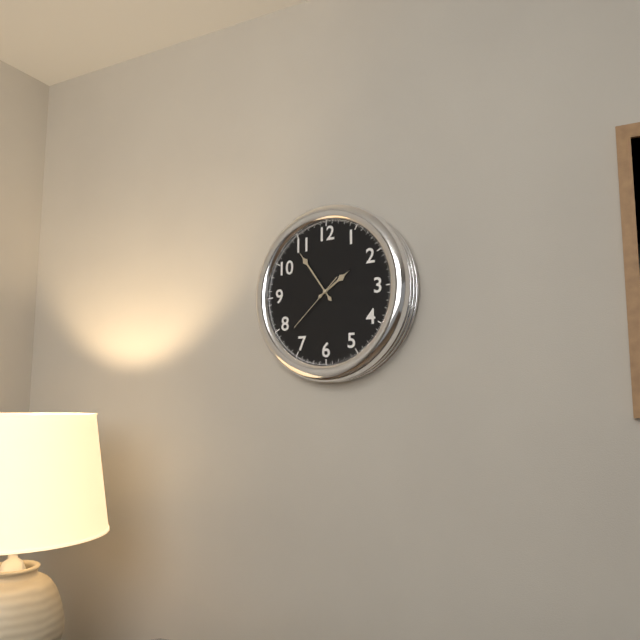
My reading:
{"hour": 1, "minute": 54, "second": 38}
